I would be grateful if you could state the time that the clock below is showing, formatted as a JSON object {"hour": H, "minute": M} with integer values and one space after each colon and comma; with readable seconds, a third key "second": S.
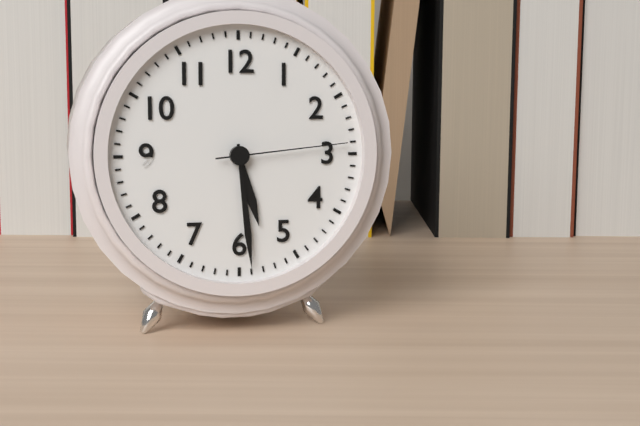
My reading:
{"hour": 5, "minute": 29, "second": 14}
